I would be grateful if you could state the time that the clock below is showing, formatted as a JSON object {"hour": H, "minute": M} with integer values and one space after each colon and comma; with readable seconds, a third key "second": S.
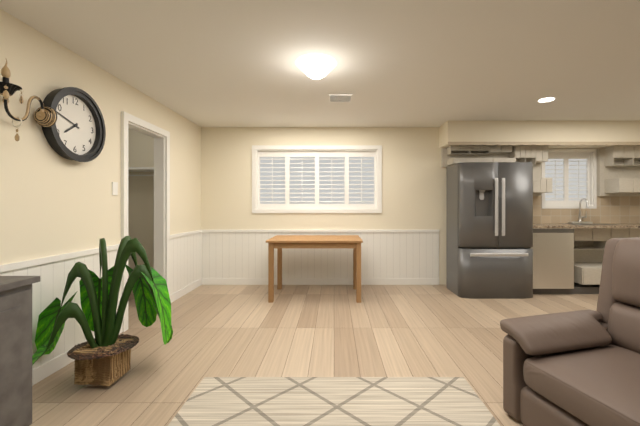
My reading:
{"hour": 7, "minute": 48}
